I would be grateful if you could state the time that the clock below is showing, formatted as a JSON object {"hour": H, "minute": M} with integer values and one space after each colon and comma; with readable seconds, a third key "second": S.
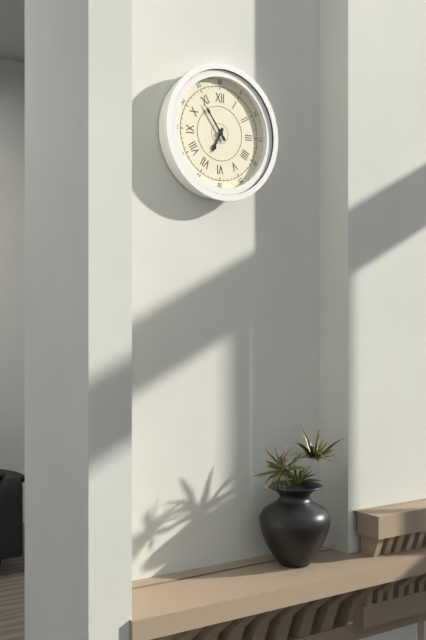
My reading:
{"hour": 6, "minute": 54}
